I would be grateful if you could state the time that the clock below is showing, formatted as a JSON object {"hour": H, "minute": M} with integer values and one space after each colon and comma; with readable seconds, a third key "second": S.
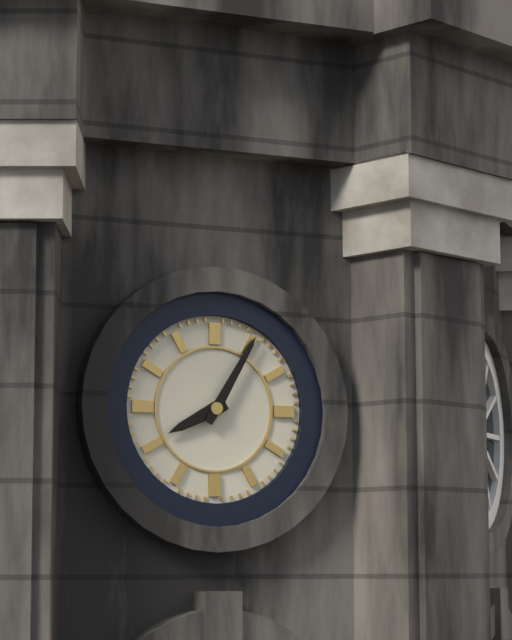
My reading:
{"hour": 8, "minute": 5}
